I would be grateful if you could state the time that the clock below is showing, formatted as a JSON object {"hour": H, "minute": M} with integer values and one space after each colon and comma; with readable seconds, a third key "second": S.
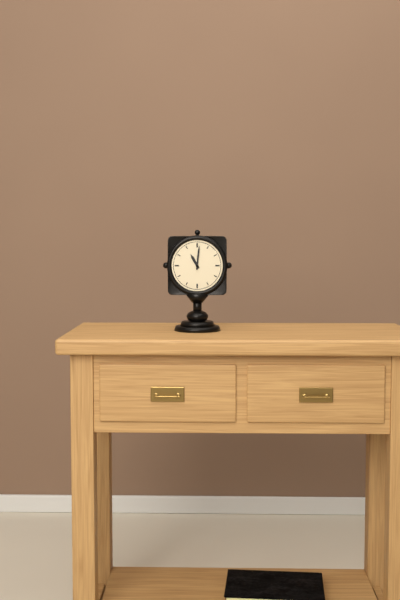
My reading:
{"hour": 11, "minute": 1}
